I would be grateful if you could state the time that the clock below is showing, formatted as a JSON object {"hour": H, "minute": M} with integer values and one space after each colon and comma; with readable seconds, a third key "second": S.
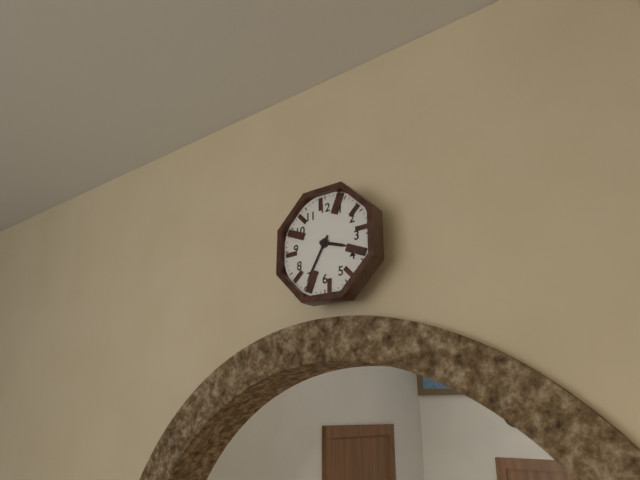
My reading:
{"hour": 3, "minute": 35}
